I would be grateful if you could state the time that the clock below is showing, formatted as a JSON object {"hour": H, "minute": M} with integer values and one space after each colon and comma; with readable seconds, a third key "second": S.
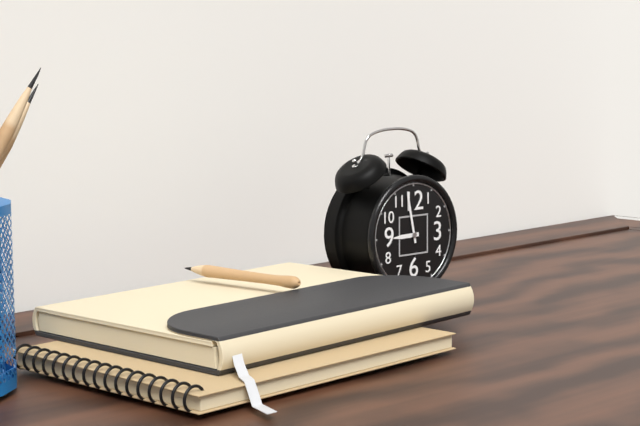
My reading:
{"hour": 8, "minute": 58}
